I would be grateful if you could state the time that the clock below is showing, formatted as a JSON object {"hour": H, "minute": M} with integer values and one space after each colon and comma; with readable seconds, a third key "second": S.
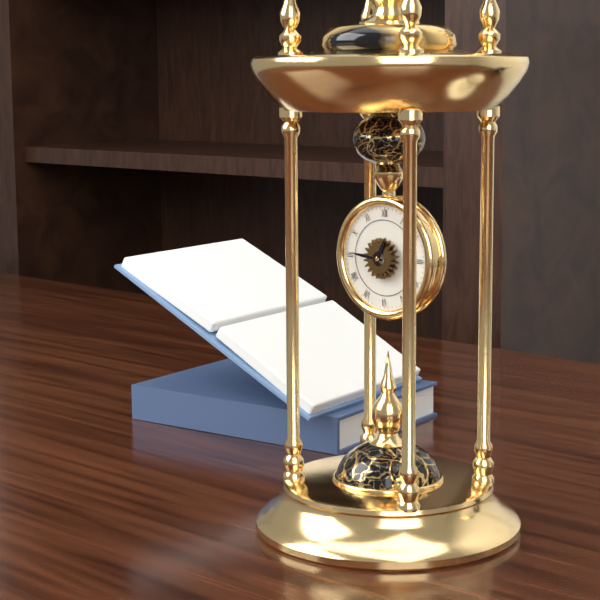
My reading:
{"hour": 12, "minute": 46}
